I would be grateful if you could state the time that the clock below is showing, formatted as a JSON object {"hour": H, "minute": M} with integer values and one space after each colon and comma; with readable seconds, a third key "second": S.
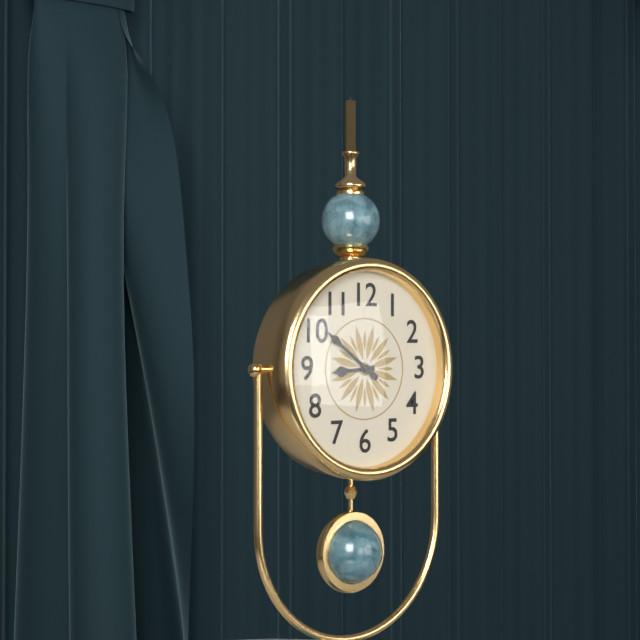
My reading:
{"hour": 8, "minute": 51}
